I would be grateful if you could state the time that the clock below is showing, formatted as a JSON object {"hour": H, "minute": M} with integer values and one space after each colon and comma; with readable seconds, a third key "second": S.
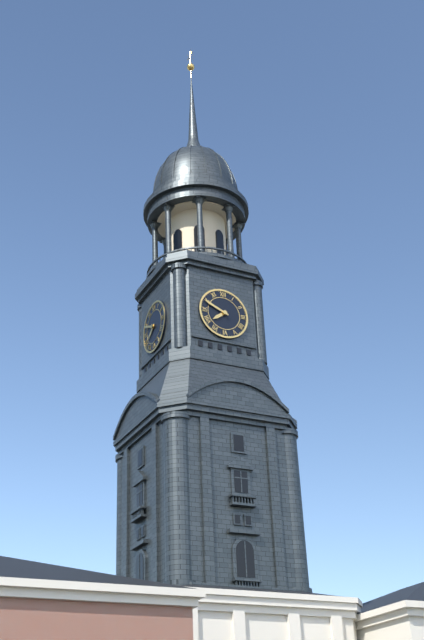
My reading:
{"hour": 7, "minute": 49}
